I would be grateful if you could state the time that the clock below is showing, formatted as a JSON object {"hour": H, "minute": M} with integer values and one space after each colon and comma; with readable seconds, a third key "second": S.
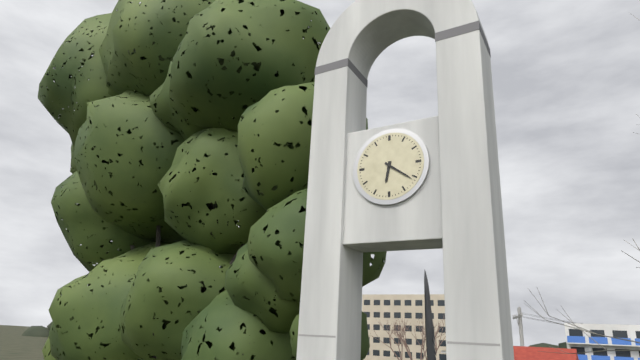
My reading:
{"hour": 6, "minute": 21}
